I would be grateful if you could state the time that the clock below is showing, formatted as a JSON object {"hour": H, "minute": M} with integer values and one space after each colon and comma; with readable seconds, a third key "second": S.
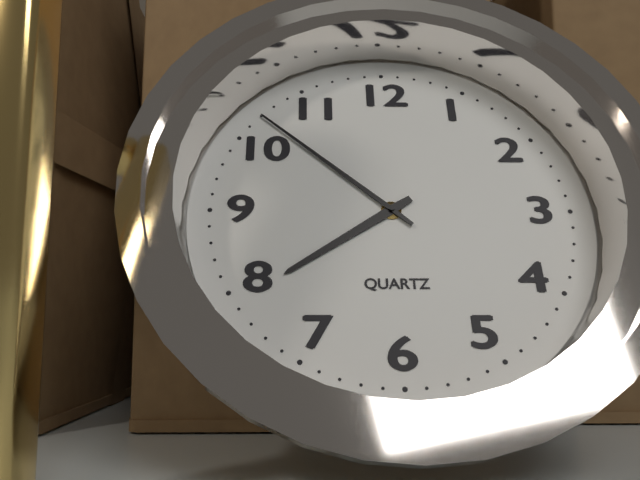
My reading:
{"hour": 7, "minute": 52}
